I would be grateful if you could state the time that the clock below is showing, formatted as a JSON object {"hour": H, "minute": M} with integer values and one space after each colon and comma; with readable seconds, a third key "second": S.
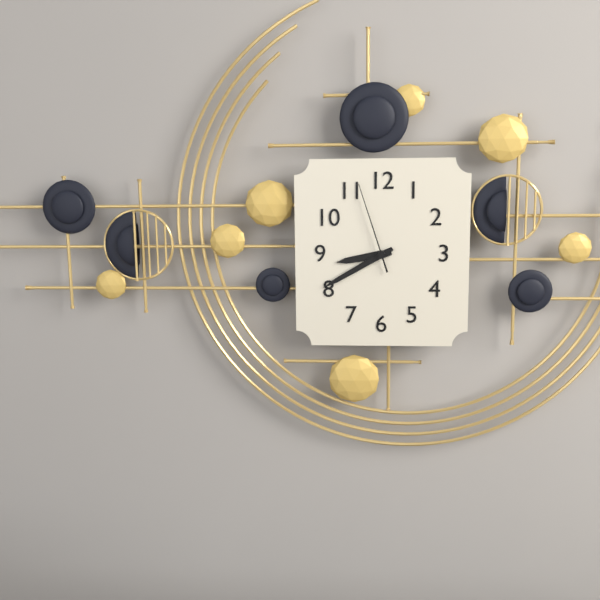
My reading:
{"hour": 8, "minute": 40, "second": 57}
